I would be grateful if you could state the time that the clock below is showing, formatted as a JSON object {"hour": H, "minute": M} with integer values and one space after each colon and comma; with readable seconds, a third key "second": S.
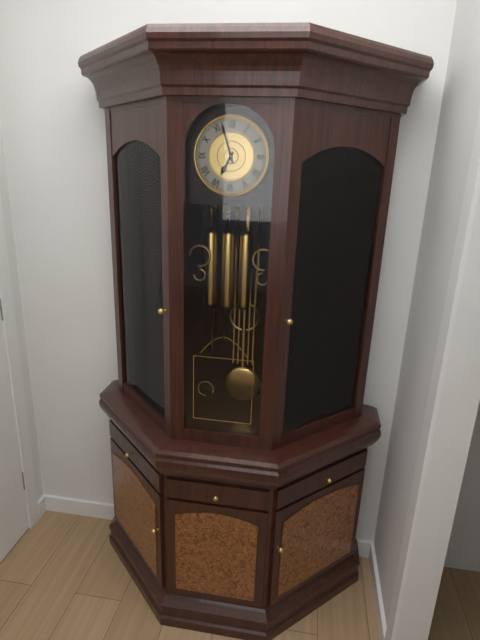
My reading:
{"hour": 6, "minute": 57}
